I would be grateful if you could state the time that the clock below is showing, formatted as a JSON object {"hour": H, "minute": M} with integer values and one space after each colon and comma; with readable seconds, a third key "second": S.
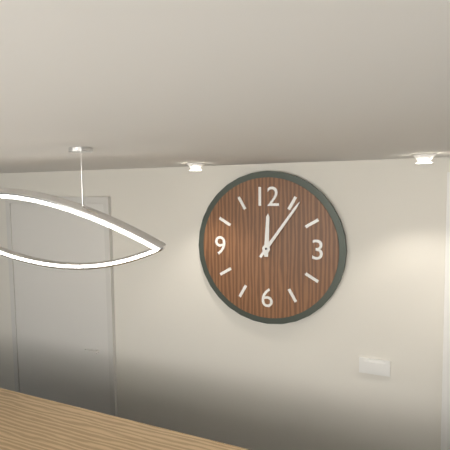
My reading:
{"hour": 12, "minute": 6}
